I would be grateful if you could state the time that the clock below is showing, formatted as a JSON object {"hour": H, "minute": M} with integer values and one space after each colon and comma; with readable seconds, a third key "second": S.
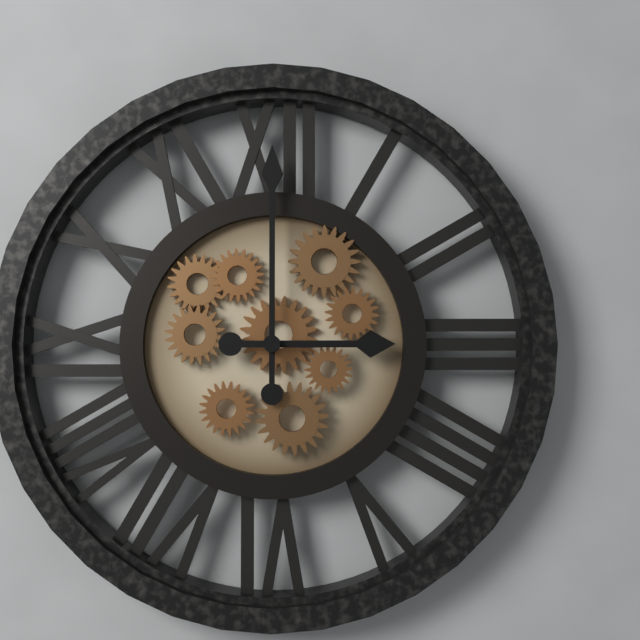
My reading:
{"hour": 3, "minute": 0}
